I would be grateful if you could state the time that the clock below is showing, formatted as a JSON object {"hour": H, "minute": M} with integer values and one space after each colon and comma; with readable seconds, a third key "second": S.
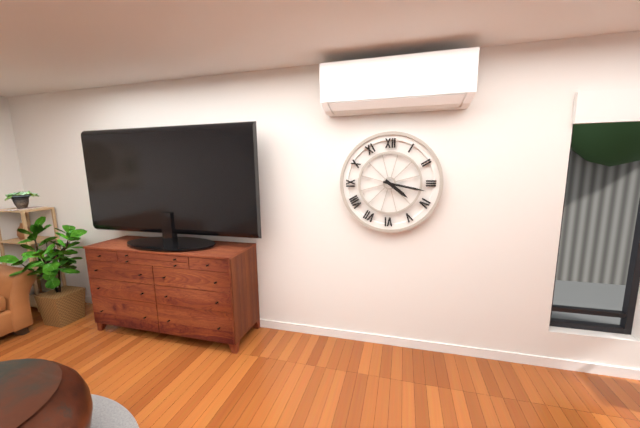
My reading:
{"hour": 4, "minute": 17}
